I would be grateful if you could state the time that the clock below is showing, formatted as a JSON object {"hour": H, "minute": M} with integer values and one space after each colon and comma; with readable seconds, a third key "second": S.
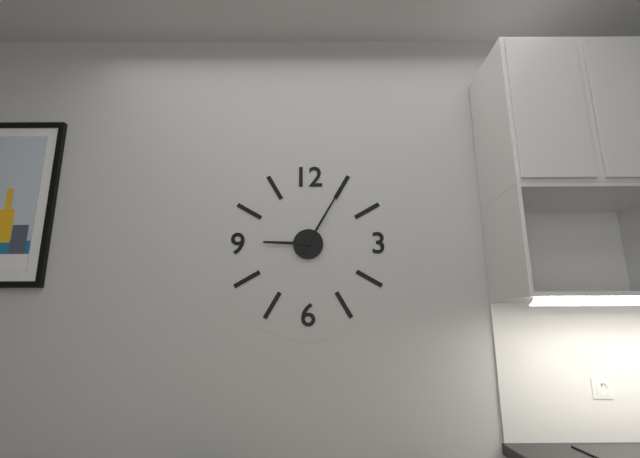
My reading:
{"hour": 9, "minute": 5}
